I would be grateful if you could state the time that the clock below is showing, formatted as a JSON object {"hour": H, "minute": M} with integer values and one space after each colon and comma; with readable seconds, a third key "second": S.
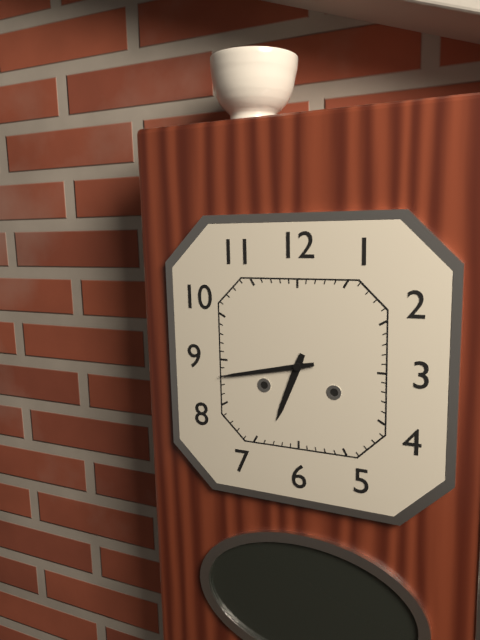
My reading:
{"hour": 6, "minute": 43}
